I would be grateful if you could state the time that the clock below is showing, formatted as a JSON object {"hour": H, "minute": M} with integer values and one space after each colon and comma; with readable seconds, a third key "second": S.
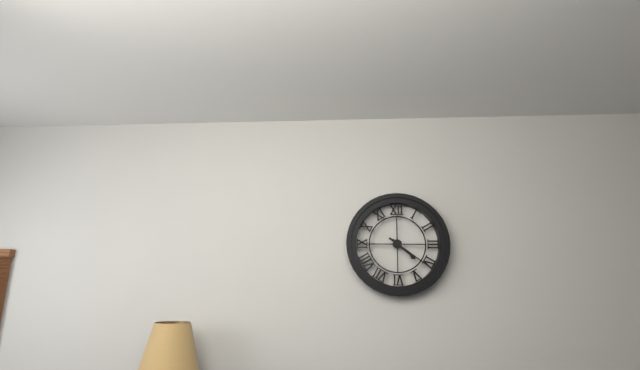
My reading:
{"hour": 4, "minute": 21}
